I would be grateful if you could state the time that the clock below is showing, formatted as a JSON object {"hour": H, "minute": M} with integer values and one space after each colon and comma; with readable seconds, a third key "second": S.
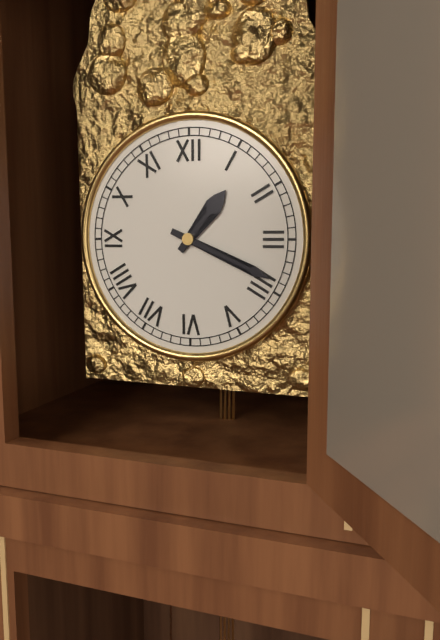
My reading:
{"hour": 1, "minute": 19}
